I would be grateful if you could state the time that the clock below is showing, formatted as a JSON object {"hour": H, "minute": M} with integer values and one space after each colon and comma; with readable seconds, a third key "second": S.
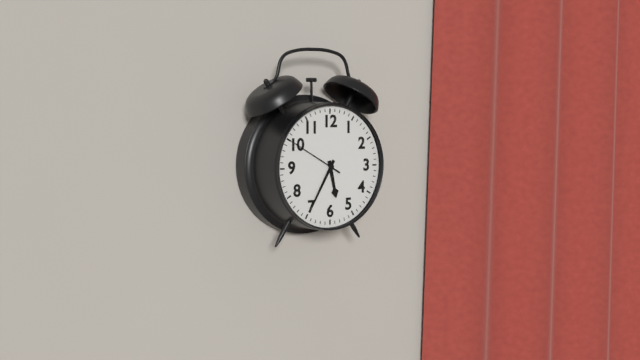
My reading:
{"hour": 5, "minute": 35, "second": 50}
